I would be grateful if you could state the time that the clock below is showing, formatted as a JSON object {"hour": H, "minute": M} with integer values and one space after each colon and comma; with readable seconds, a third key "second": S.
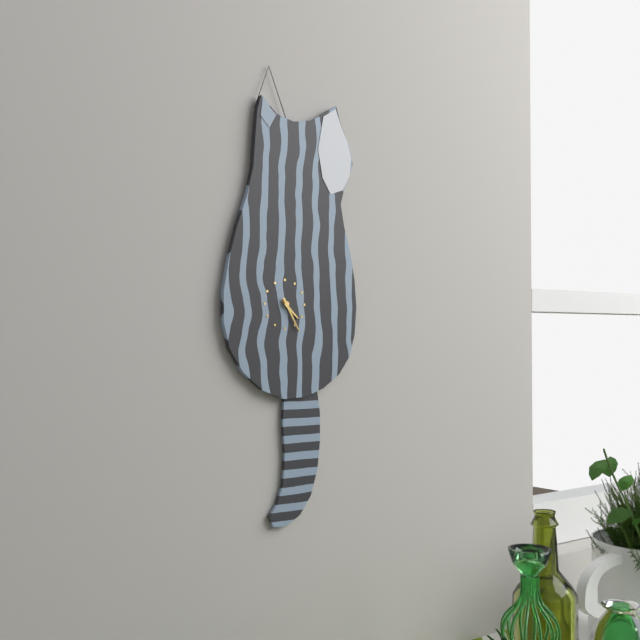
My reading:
{"hour": 4, "minute": 25}
